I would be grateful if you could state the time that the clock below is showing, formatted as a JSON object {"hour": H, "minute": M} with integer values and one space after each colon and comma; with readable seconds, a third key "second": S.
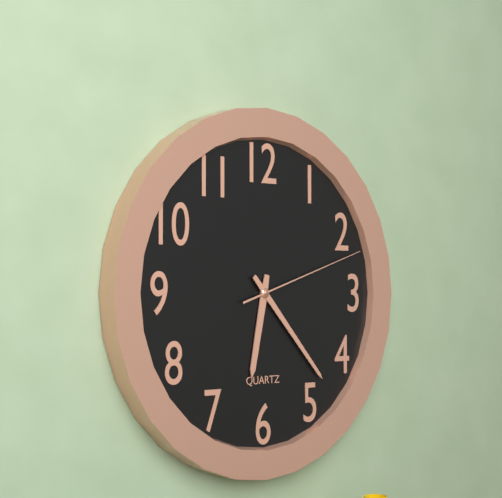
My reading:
{"hour": 6, "minute": 23, "second": 12}
